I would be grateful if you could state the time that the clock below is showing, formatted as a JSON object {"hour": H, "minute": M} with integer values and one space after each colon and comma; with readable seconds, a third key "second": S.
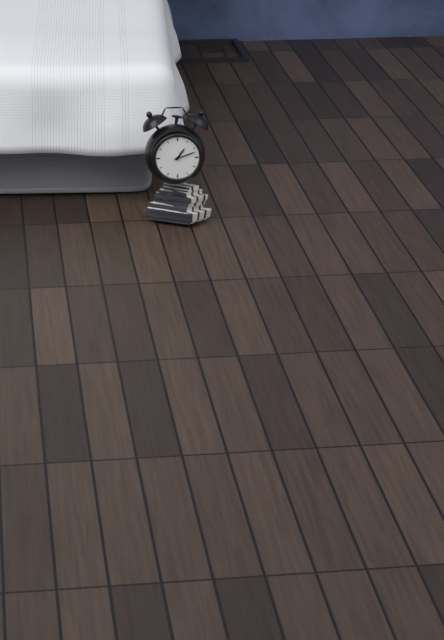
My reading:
{"hour": 1, "minute": 12}
